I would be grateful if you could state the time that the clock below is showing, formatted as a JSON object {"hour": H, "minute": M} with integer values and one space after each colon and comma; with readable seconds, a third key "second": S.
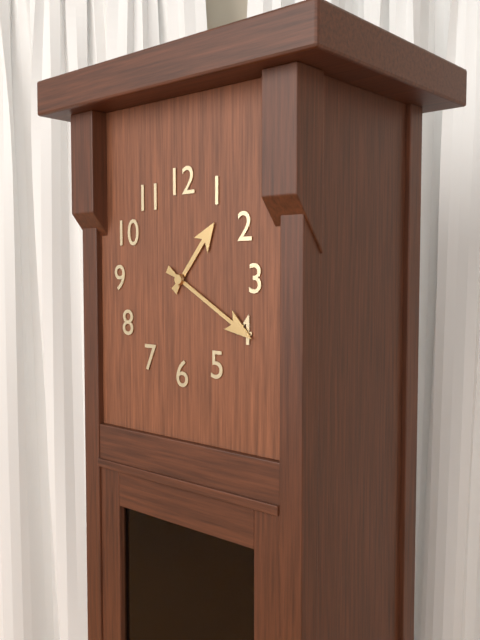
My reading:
{"hour": 1, "minute": 20}
